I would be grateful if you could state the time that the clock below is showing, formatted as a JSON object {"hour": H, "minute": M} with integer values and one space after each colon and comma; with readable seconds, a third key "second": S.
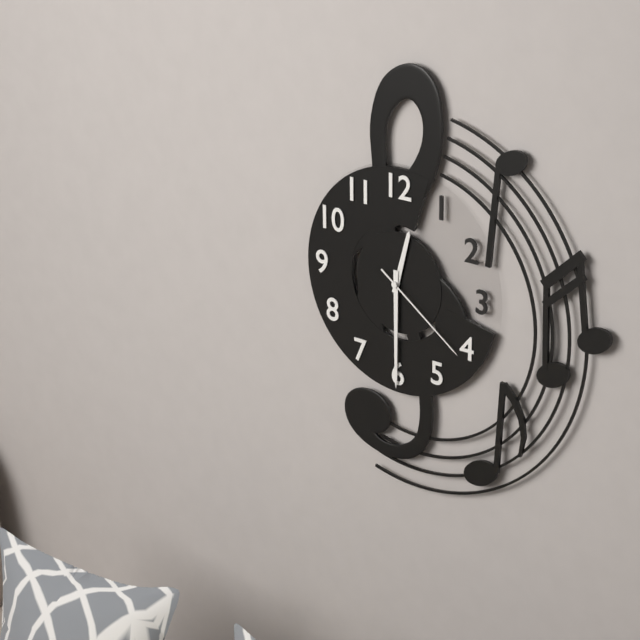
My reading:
{"hour": 12, "minute": 30, "second": 21}
